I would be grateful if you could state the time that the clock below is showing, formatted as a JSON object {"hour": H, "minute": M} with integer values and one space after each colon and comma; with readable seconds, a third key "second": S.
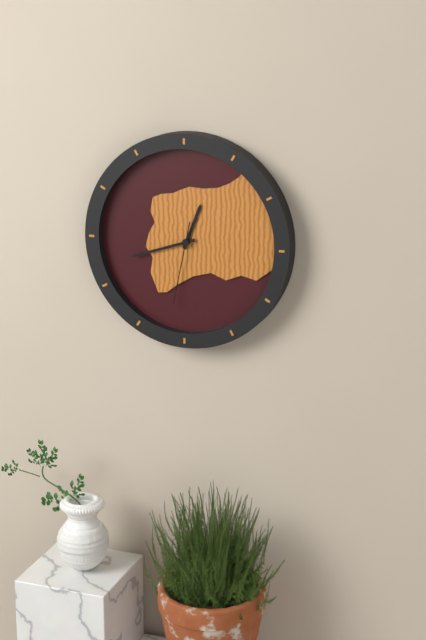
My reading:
{"hour": 12, "minute": 42, "second": 32}
